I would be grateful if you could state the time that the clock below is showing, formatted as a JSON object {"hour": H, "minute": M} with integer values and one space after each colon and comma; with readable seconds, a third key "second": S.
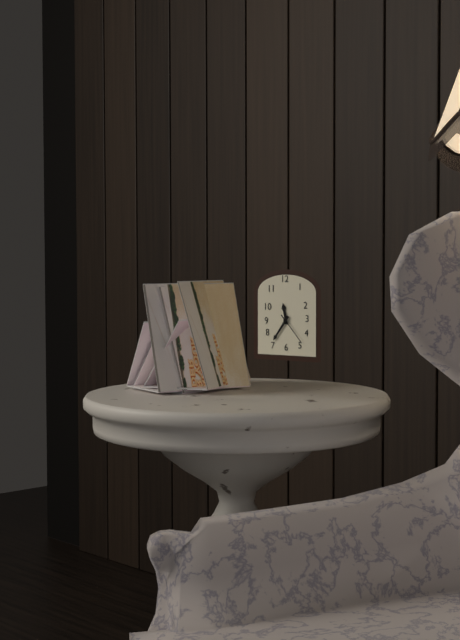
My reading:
{"hour": 11, "minute": 36}
